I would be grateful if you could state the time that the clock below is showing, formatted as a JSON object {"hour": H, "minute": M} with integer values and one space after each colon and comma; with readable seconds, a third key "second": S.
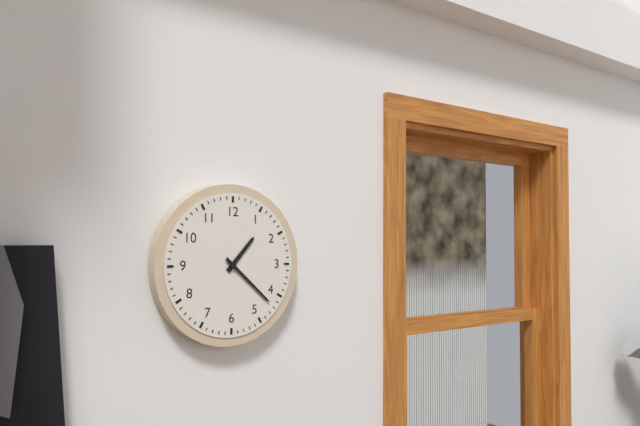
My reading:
{"hour": 1, "minute": 22}
